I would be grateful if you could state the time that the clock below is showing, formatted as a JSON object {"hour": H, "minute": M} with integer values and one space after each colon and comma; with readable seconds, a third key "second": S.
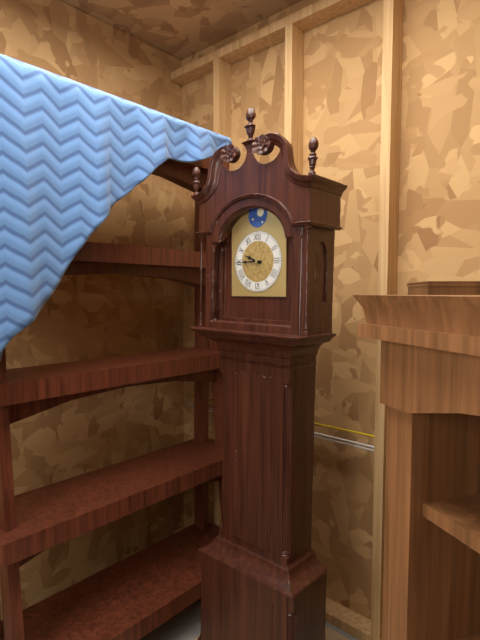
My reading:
{"hour": 9, "minute": 45}
